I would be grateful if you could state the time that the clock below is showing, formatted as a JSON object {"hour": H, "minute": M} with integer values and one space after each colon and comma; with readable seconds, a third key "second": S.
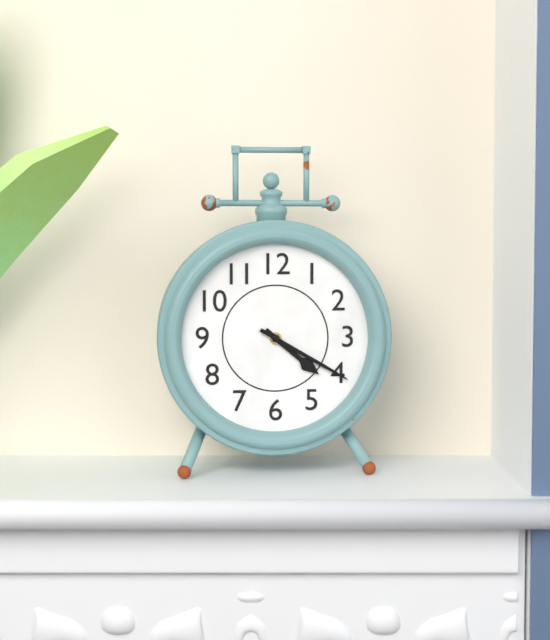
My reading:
{"hour": 4, "minute": 20}
